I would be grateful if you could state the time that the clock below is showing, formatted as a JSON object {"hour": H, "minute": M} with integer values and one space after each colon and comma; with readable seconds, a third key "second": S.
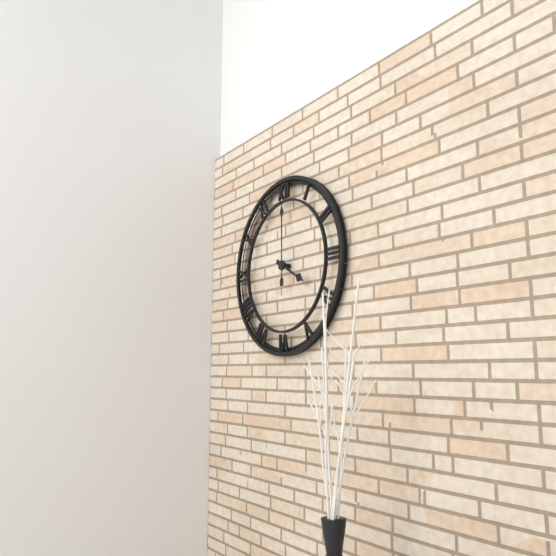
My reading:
{"hour": 4, "minute": 0}
